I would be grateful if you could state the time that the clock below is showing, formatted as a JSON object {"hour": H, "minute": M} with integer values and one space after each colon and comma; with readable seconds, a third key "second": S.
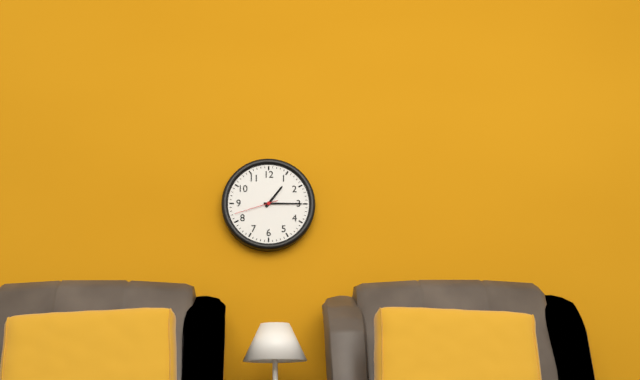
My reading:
{"hour": 1, "minute": 15}
